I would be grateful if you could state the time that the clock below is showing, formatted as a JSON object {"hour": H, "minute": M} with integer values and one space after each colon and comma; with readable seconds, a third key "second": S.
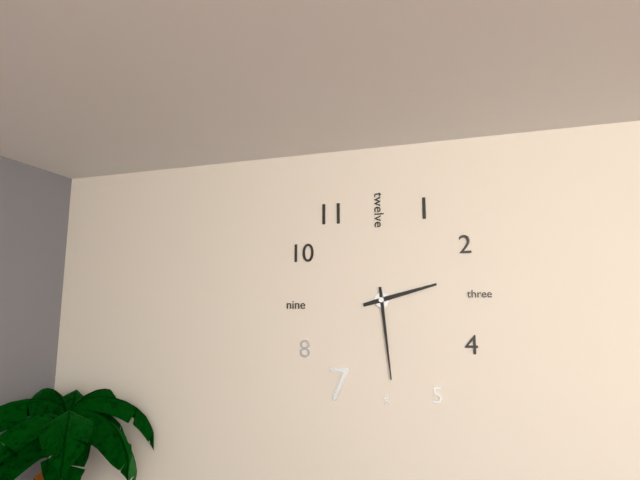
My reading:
{"hour": 2, "minute": 29}
